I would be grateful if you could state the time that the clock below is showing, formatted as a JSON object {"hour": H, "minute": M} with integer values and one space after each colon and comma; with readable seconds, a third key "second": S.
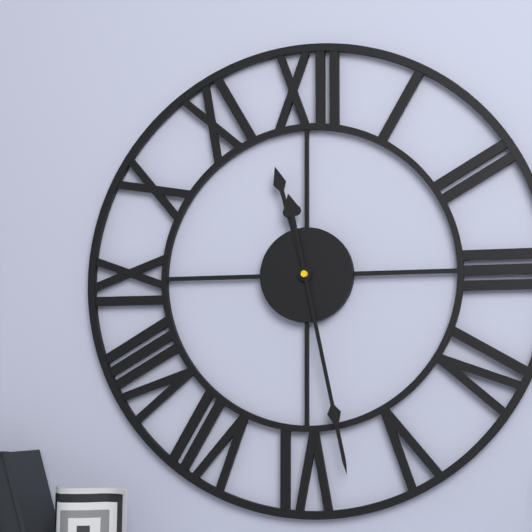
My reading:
{"hour": 11, "minute": 28}
